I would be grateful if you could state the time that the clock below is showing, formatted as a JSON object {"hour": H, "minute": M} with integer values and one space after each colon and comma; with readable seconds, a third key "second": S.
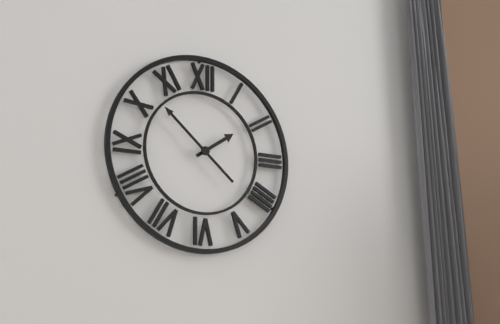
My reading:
{"hour": 1, "minute": 52}
